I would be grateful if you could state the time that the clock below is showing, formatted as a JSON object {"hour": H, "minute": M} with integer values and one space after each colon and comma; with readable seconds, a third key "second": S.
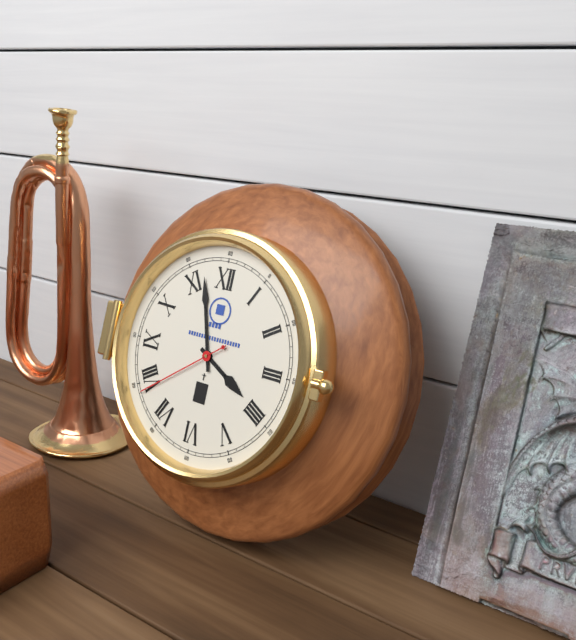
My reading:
{"hour": 3, "minute": 57, "second": 39}
